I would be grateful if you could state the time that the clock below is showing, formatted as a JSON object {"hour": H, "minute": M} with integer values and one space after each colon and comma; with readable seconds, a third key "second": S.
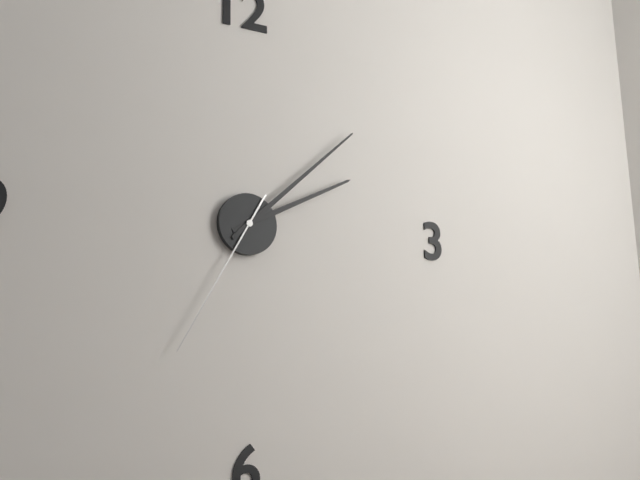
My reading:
{"hour": 2, "minute": 8, "second": 35}
